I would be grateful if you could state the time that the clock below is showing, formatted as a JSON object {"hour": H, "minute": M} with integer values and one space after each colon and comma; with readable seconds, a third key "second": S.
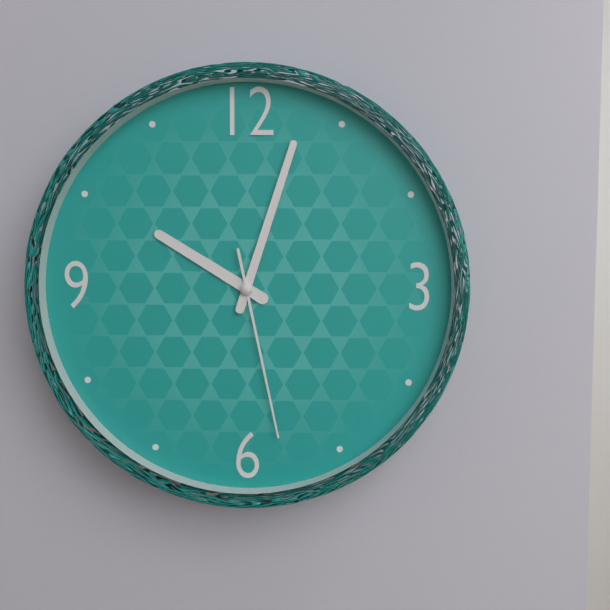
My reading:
{"hour": 10, "minute": 3, "second": 28}
